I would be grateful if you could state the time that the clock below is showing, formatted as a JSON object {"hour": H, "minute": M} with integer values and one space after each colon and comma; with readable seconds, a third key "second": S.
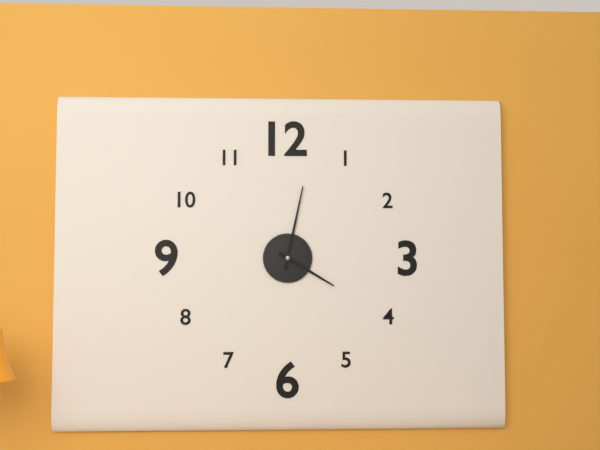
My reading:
{"hour": 4, "minute": 2}
